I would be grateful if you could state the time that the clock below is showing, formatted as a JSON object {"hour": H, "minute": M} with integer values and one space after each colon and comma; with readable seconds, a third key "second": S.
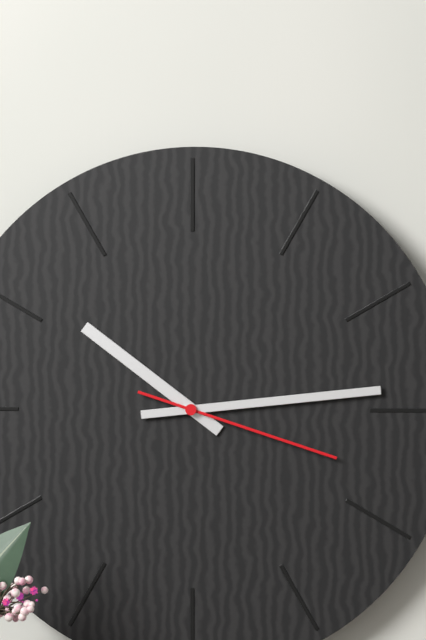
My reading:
{"hour": 10, "minute": 14, "second": 18}
